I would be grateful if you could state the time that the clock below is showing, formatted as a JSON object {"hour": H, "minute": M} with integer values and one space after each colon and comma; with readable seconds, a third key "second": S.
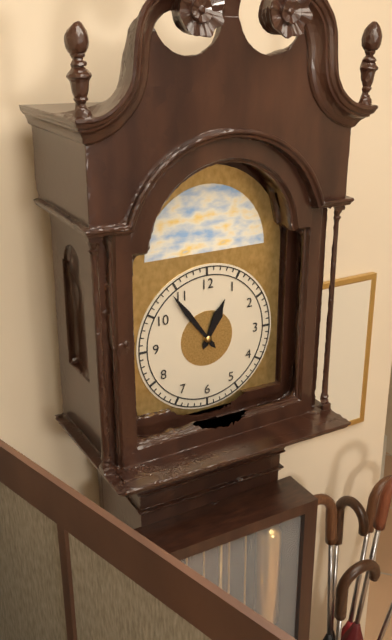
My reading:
{"hour": 12, "minute": 54}
